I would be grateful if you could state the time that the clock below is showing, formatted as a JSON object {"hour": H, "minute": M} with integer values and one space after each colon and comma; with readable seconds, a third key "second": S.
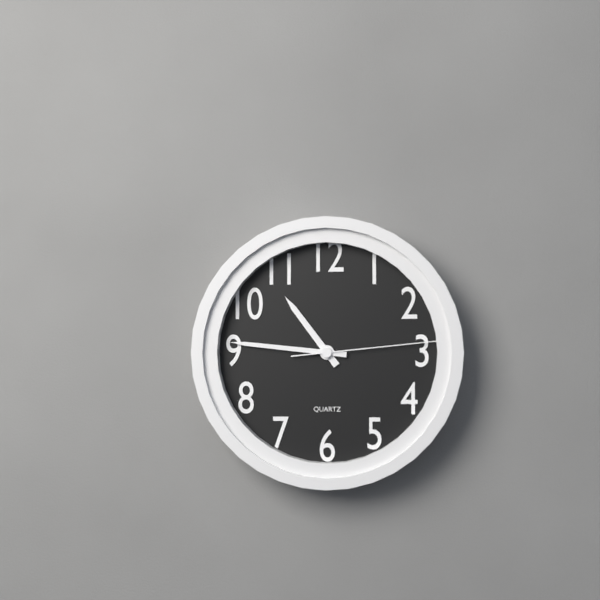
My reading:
{"hour": 10, "minute": 46, "second": 14}
